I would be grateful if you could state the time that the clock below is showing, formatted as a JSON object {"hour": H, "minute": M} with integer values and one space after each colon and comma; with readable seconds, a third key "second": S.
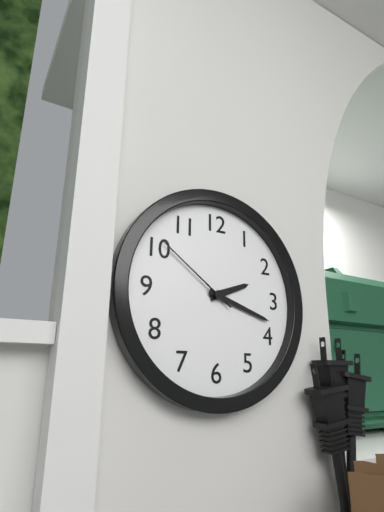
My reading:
{"hour": 2, "minute": 18, "second": 51}
